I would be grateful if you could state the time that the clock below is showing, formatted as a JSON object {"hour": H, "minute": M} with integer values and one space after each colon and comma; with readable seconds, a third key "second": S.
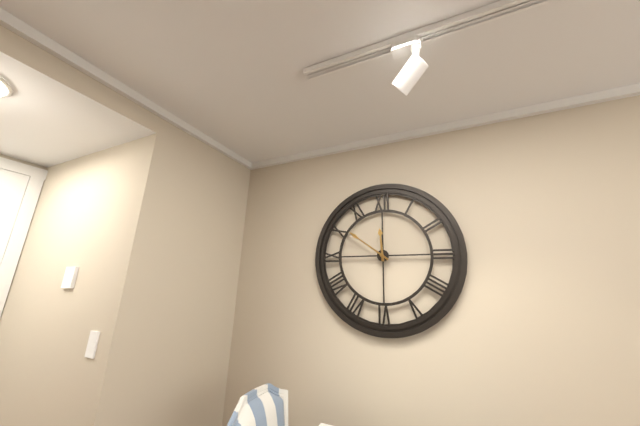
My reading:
{"hour": 11, "minute": 51}
